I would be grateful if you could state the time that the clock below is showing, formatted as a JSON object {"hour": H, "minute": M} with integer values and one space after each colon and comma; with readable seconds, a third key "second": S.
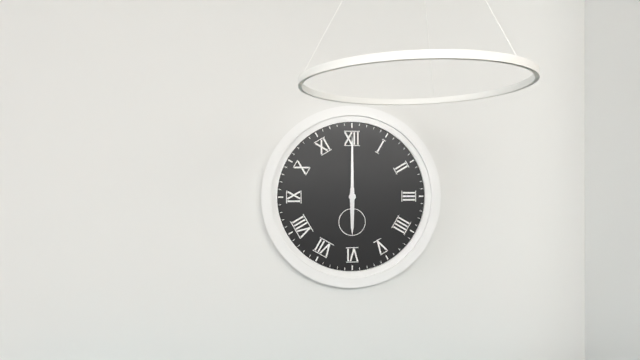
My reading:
{"hour": 6, "minute": 0}
